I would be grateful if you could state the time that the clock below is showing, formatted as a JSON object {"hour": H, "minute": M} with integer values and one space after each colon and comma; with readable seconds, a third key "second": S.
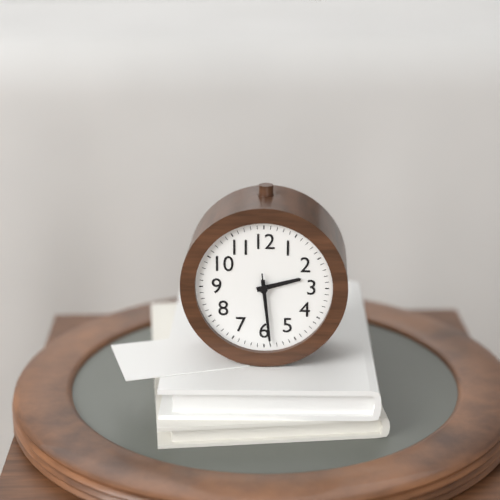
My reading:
{"hour": 2, "minute": 29, "second": 29}
